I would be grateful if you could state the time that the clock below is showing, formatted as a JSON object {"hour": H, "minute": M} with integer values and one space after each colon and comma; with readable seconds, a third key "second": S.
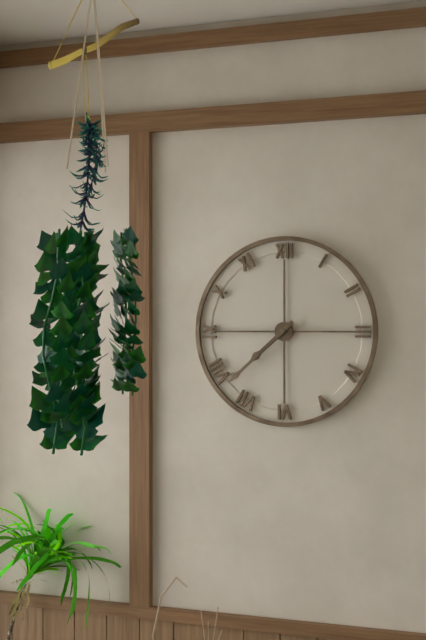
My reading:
{"hour": 7, "minute": 38}
